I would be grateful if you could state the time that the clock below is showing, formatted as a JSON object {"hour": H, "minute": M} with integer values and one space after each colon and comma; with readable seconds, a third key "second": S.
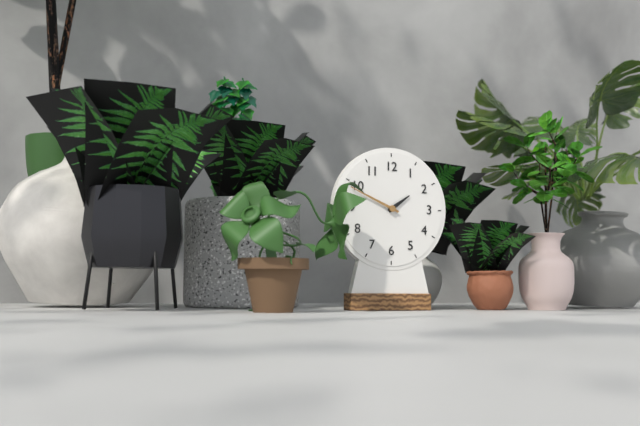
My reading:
{"hour": 1, "minute": 49}
